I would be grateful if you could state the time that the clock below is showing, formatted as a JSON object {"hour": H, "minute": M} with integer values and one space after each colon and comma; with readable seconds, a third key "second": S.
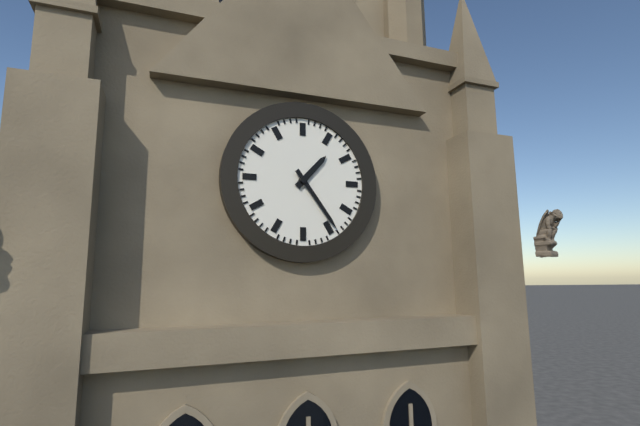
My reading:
{"hour": 1, "minute": 24}
